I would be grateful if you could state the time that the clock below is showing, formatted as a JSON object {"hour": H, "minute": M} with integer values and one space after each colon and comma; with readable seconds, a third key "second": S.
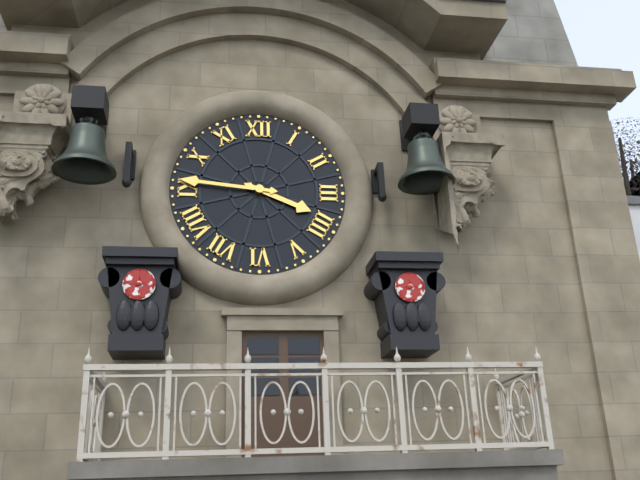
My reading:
{"hour": 3, "minute": 46}
